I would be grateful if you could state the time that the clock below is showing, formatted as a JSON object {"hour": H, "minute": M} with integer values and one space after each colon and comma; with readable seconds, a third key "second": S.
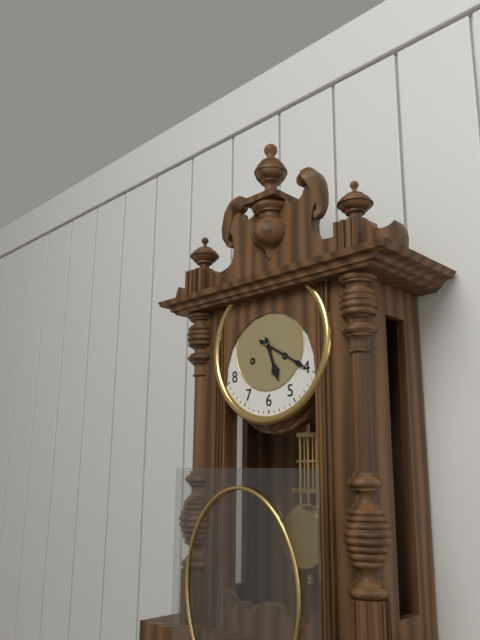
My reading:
{"hour": 5, "minute": 20}
